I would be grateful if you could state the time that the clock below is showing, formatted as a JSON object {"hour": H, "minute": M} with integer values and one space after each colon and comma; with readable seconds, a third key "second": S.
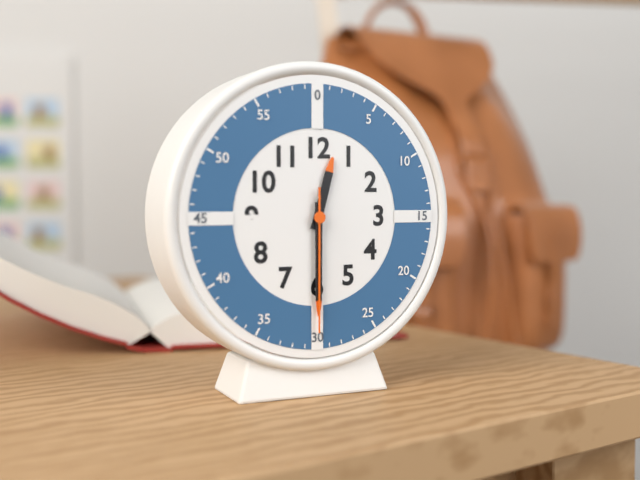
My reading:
{"hour": 12, "minute": 30, "second": 30}
